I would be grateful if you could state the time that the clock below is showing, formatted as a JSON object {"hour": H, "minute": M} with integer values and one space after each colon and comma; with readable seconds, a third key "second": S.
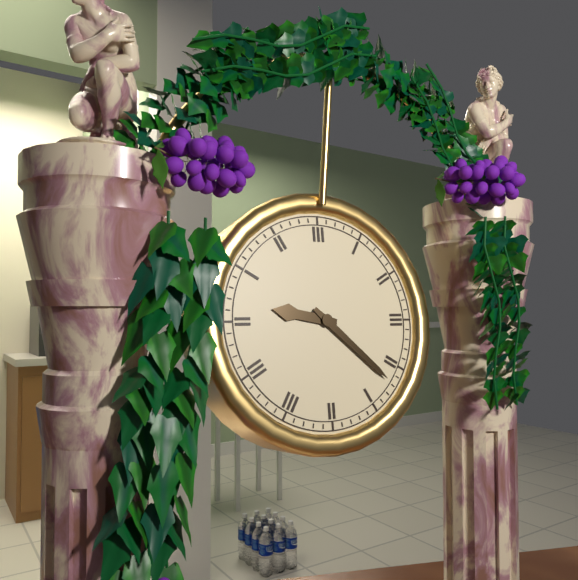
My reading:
{"hour": 9, "minute": 22}
